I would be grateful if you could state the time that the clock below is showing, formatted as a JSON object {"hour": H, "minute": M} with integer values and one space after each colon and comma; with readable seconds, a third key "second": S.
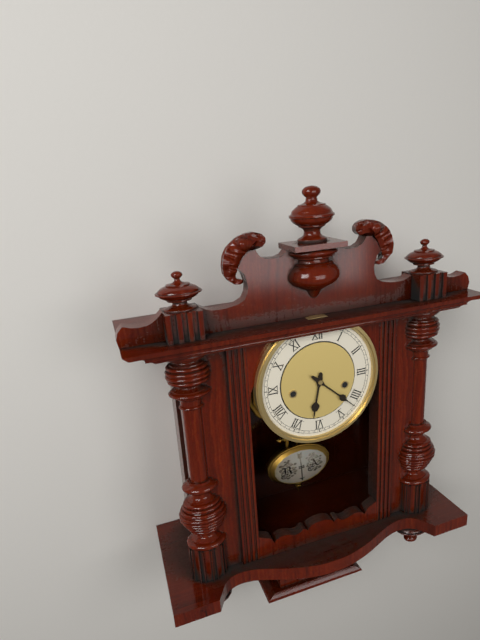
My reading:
{"hour": 6, "minute": 22}
